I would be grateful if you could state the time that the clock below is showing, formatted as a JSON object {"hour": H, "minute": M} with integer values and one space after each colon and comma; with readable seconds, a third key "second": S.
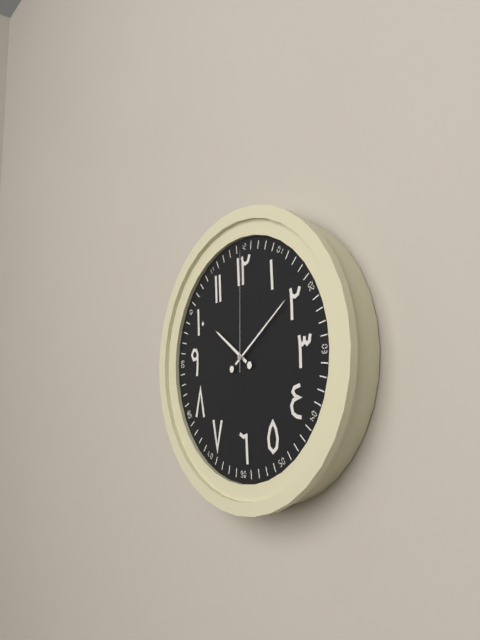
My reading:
{"hour": 10, "minute": 9, "second": 0}
